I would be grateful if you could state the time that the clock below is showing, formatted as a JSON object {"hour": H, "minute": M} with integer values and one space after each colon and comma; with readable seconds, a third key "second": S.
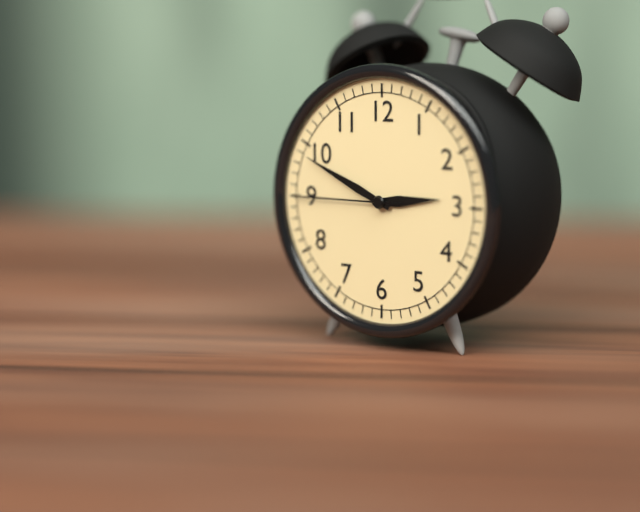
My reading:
{"hour": 2, "minute": 49, "second": 45}
